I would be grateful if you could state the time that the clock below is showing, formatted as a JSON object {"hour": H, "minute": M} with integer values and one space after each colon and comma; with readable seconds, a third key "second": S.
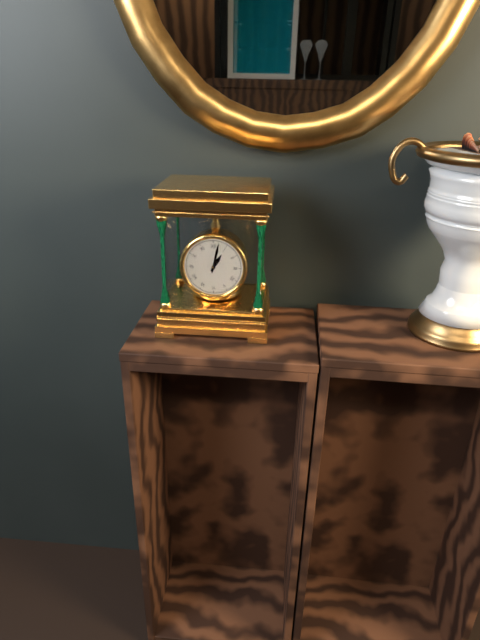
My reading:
{"hour": 1, "minute": 2}
